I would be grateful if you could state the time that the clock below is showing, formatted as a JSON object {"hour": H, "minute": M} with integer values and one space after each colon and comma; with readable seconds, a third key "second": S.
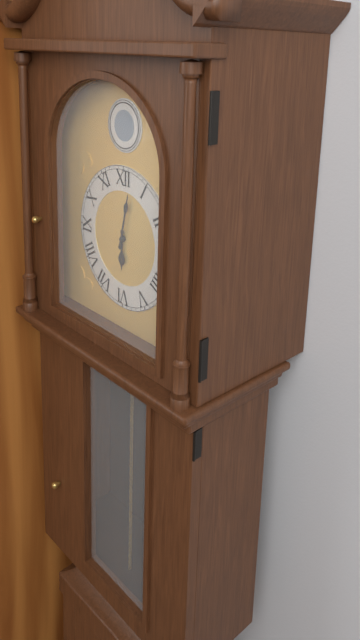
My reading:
{"hour": 6, "minute": 2}
